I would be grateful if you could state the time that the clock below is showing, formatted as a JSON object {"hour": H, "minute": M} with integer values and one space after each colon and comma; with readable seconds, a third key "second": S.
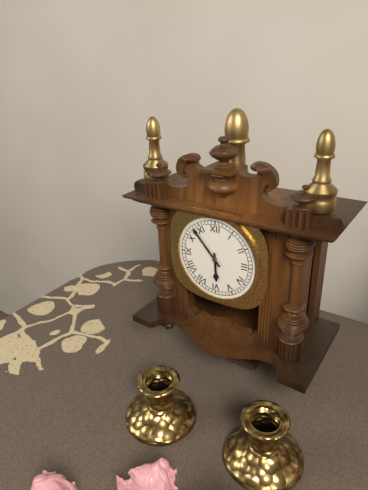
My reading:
{"hour": 5, "minute": 53}
